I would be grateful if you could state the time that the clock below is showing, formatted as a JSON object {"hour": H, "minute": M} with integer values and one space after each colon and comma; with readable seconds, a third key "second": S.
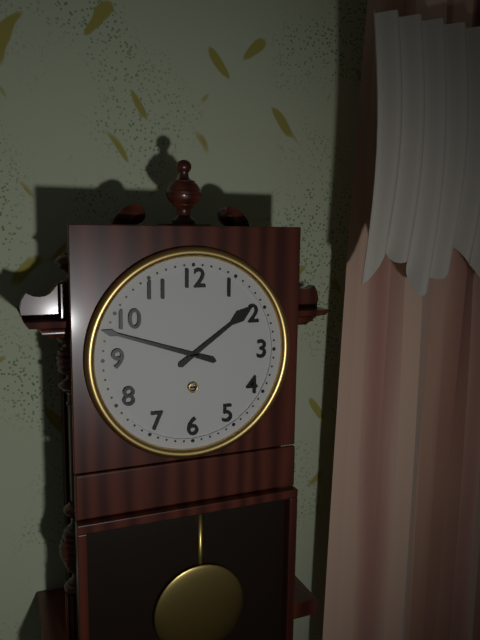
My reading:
{"hour": 1, "minute": 48}
